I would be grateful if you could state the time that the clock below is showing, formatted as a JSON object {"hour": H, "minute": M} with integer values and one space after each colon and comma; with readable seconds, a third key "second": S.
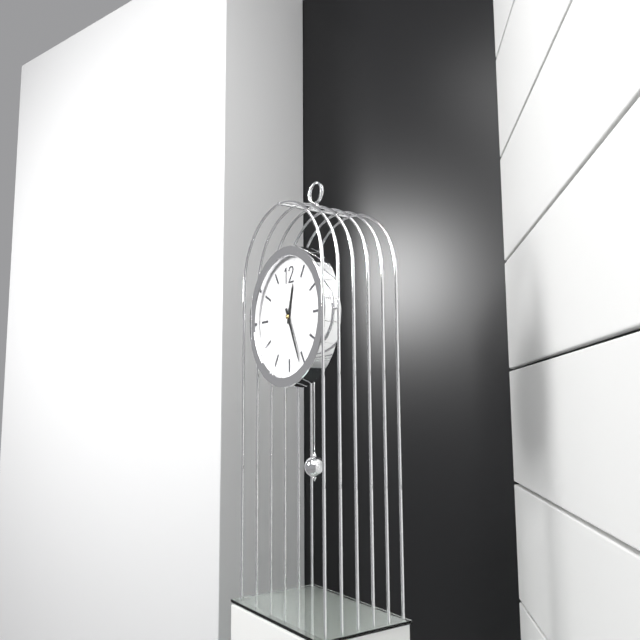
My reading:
{"hour": 12, "minute": 26}
